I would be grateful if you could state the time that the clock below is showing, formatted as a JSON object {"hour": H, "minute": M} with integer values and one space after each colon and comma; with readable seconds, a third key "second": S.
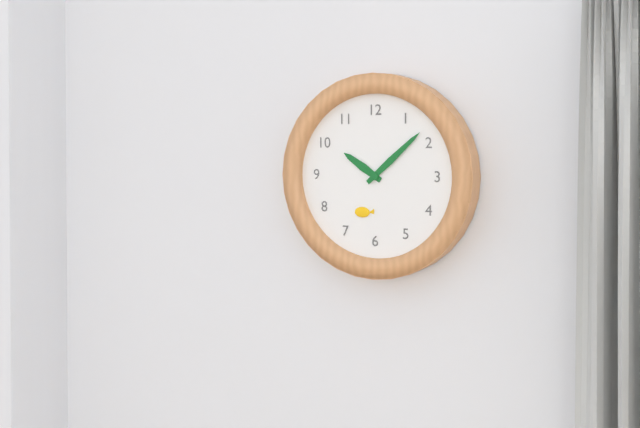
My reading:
{"hour": 10, "minute": 8}
